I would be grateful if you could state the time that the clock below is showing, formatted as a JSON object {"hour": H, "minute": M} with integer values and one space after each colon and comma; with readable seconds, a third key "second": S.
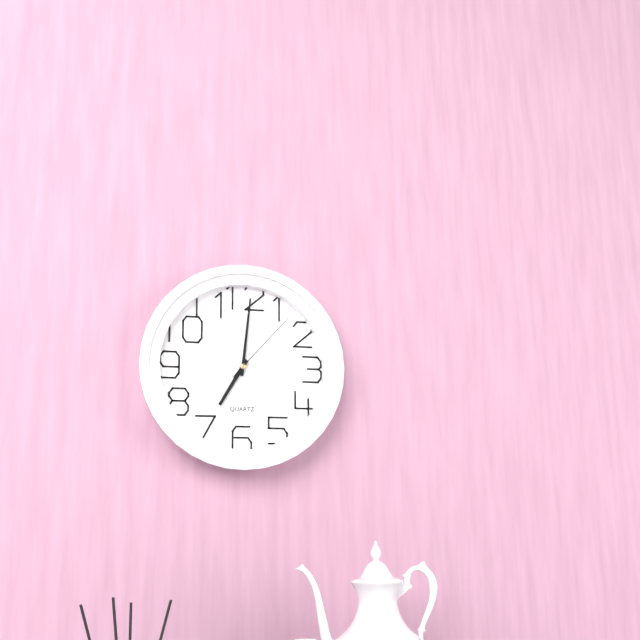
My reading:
{"hour": 7, "minute": 1, "second": 7}
